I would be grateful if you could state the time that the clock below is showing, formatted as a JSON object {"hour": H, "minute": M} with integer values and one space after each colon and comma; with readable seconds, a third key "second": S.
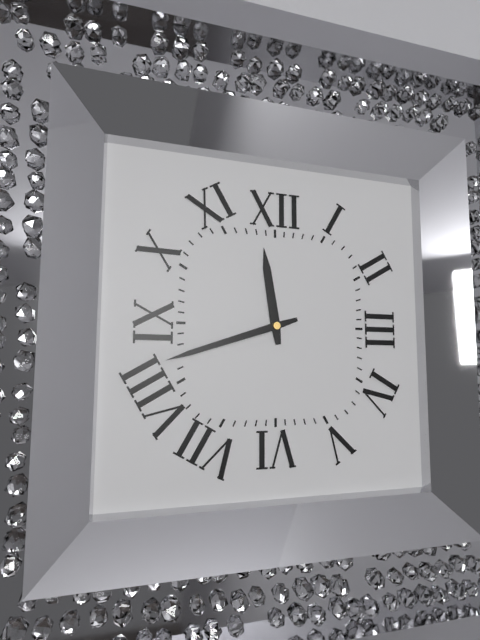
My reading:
{"hour": 11, "minute": 42}
